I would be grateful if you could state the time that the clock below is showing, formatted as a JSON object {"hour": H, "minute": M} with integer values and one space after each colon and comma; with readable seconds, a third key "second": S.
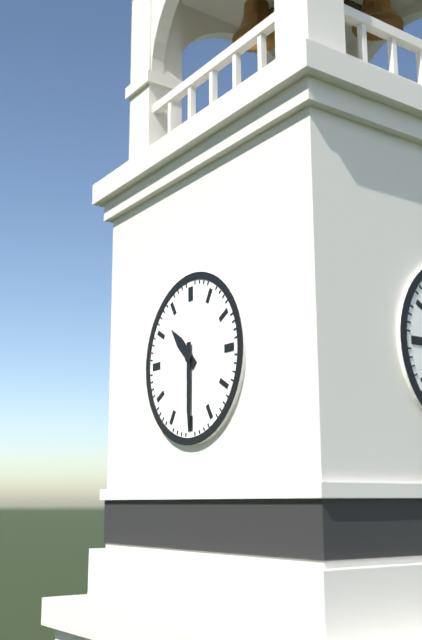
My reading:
{"hour": 10, "minute": 30}
